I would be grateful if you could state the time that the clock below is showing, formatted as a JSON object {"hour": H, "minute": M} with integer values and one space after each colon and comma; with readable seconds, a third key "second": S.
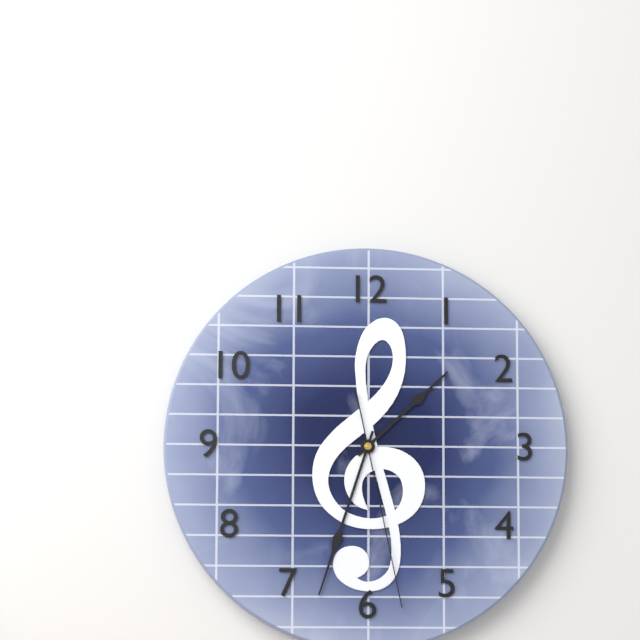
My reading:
{"hour": 1, "minute": 33, "second": 28}
